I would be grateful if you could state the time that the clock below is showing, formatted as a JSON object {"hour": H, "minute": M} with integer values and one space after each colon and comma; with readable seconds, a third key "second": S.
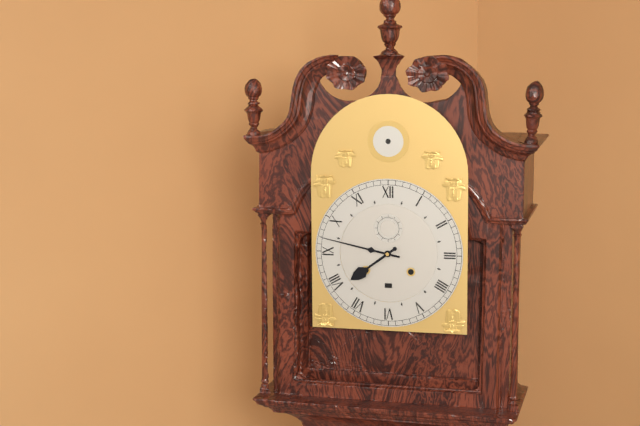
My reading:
{"hour": 7, "minute": 47}
